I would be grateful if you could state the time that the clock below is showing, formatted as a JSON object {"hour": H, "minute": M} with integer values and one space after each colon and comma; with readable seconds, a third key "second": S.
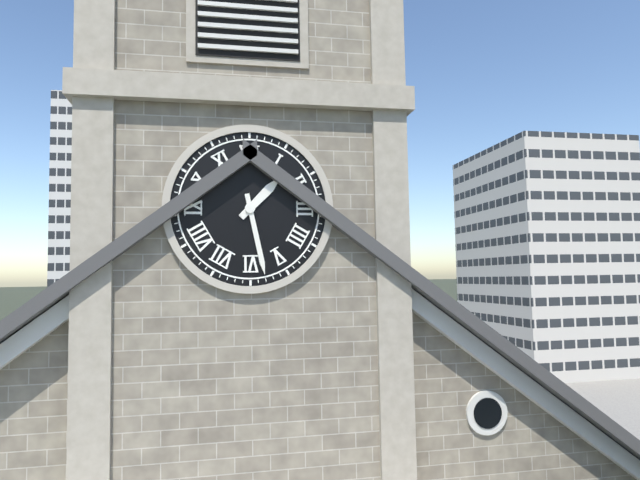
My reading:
{"hour": 1, "minute": 28}
